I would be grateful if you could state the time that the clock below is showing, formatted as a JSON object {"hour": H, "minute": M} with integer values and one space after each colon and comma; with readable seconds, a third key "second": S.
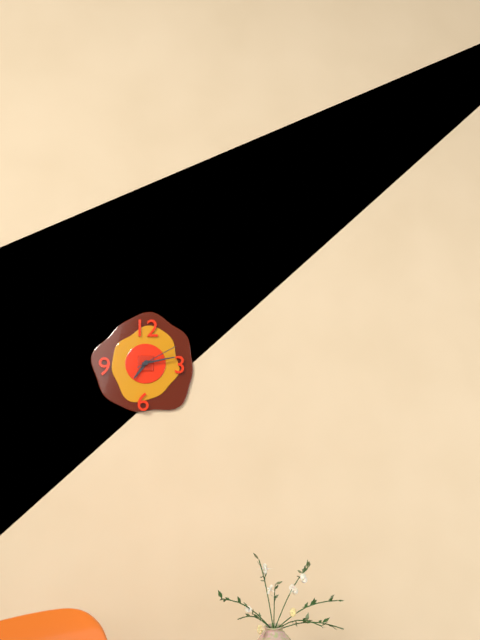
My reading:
{"hour": 7, "minute": 13}
